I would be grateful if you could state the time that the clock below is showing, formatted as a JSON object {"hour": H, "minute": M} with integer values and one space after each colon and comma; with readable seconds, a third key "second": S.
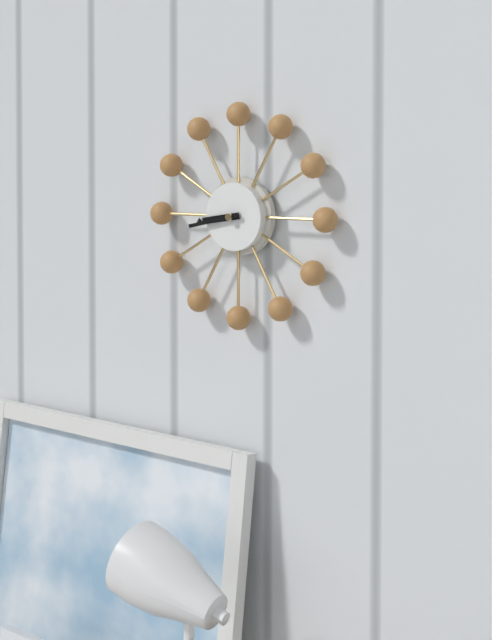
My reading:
{"hour": 8, "minute": 43}
